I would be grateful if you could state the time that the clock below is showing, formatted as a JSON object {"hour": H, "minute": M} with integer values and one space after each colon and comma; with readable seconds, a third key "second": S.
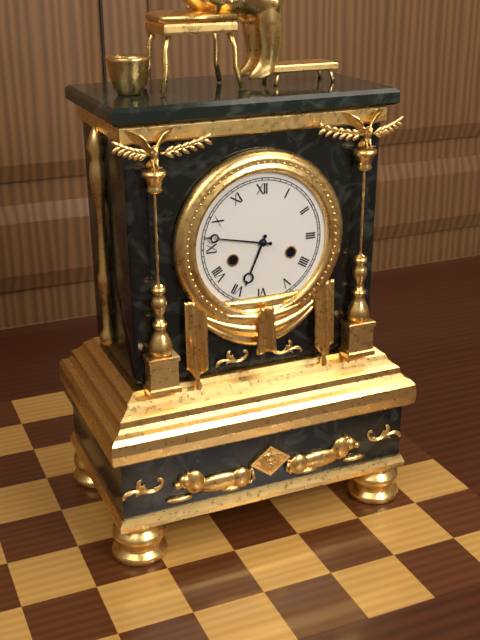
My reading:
{"hour": 6, "minute": 47}
